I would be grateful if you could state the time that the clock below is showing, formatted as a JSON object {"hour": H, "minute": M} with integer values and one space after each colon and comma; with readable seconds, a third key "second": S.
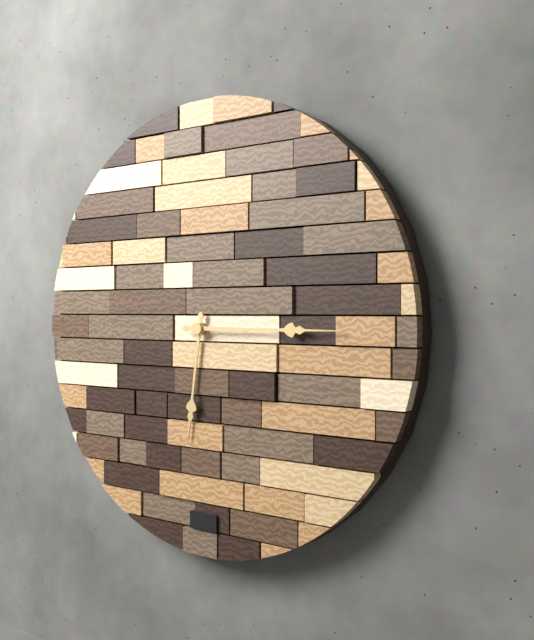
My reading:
{"hour": 6, "minute": 15}
